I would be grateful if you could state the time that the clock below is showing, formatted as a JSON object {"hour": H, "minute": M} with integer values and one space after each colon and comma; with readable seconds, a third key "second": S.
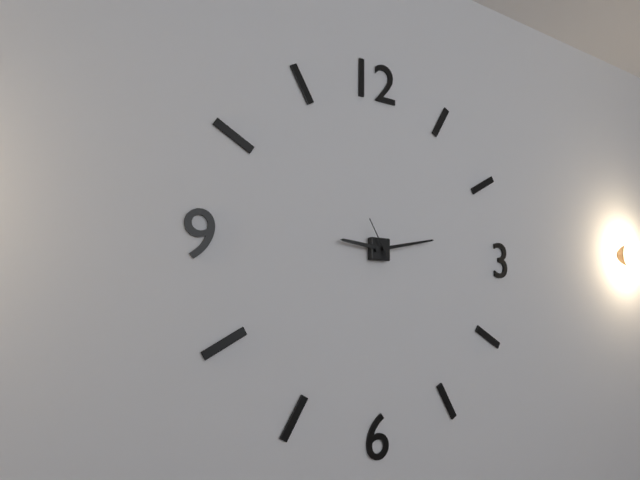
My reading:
{"hour": 9, "minute": 13}
